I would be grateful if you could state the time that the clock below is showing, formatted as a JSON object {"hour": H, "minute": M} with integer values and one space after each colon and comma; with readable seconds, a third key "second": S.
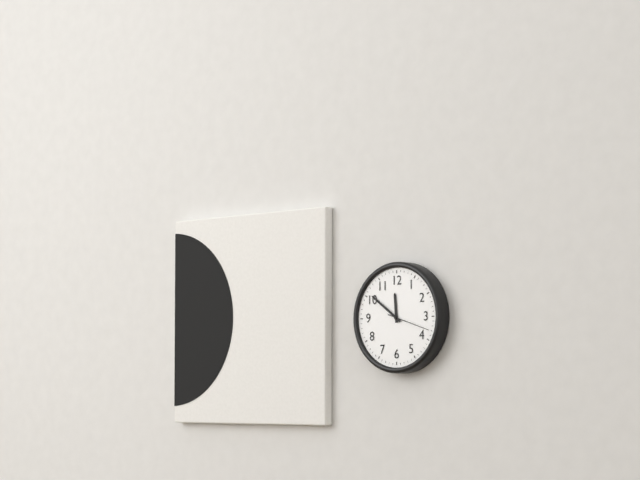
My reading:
{"hour": 11, "minute": 51}
